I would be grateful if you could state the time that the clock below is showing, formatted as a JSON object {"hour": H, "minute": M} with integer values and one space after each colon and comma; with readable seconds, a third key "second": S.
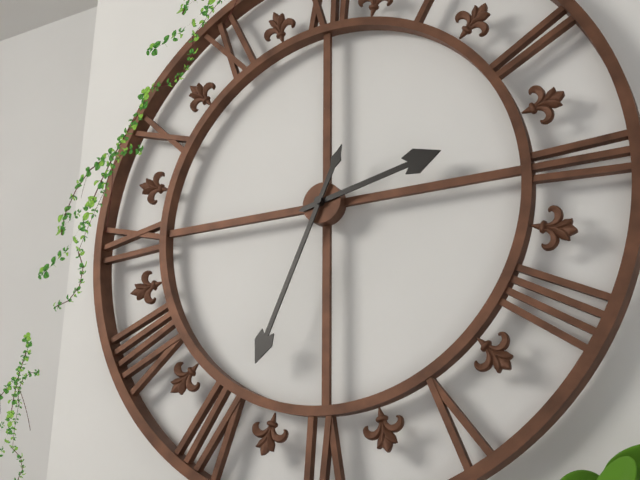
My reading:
{"hour": 2, "minute": 34}
